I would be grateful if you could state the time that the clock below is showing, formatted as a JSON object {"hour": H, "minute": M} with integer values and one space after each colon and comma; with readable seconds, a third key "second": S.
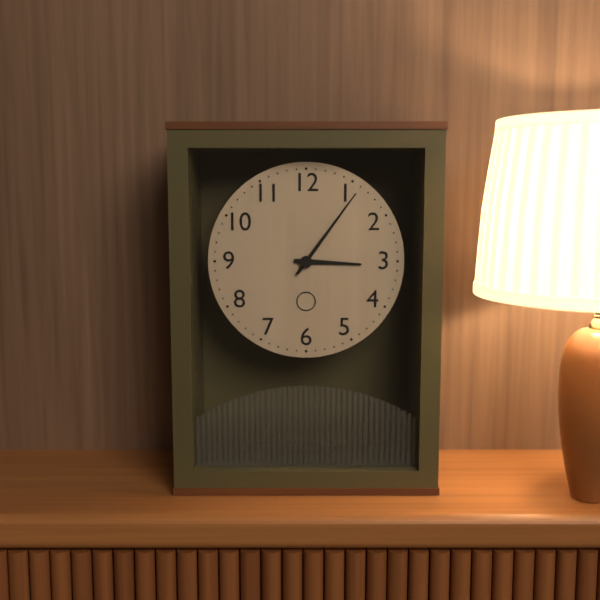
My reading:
{"hour": 3, "minute": 6}
